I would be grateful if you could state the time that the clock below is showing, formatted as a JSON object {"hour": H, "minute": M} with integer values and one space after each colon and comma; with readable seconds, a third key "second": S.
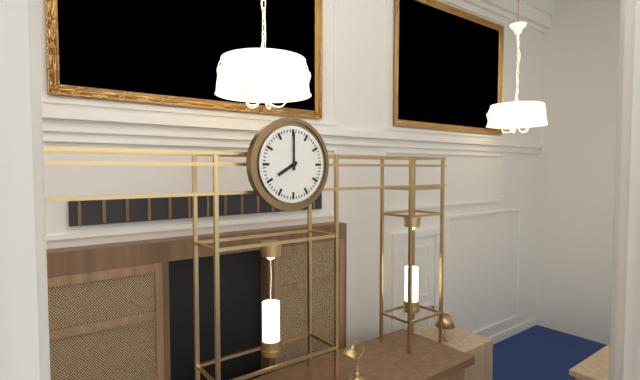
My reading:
{"hour": 8, "minute": 0}
